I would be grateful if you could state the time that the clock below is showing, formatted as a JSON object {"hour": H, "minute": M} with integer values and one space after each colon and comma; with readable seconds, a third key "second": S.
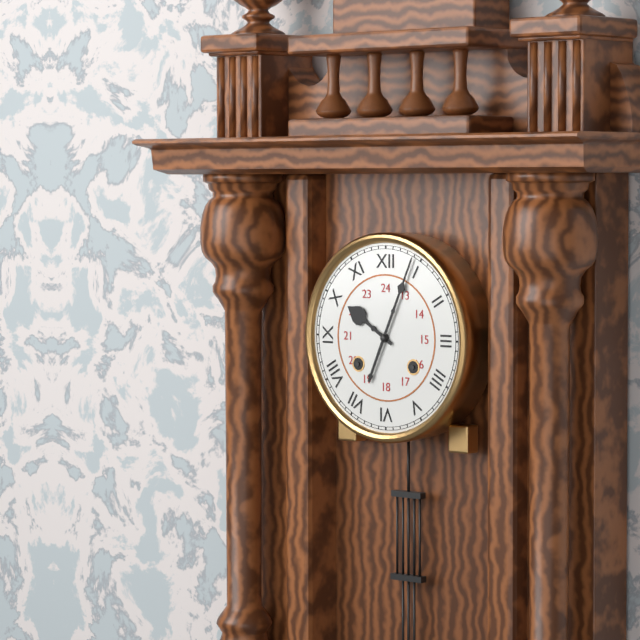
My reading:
{"hour": 10, "minute": 4}
